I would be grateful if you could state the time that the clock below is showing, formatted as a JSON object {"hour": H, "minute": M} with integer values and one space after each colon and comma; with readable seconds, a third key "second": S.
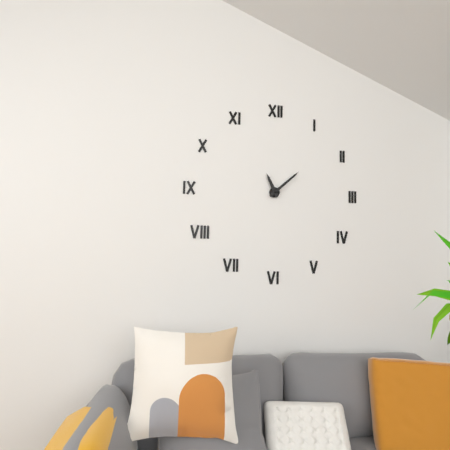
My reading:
{"hour": 11, "minute": 8}
